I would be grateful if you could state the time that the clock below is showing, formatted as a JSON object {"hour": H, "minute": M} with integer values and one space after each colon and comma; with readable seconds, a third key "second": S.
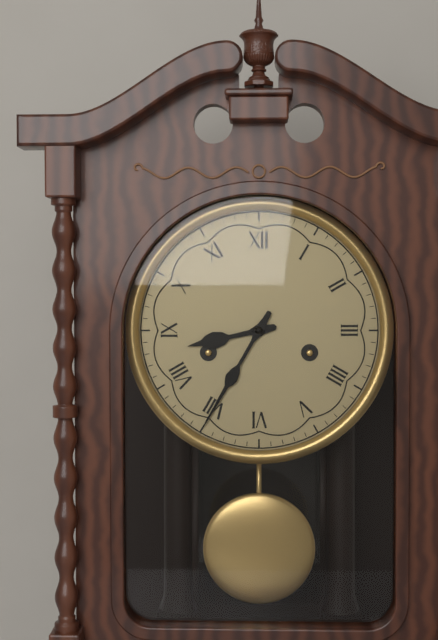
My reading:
{"hour": 8, "minute": 35}
